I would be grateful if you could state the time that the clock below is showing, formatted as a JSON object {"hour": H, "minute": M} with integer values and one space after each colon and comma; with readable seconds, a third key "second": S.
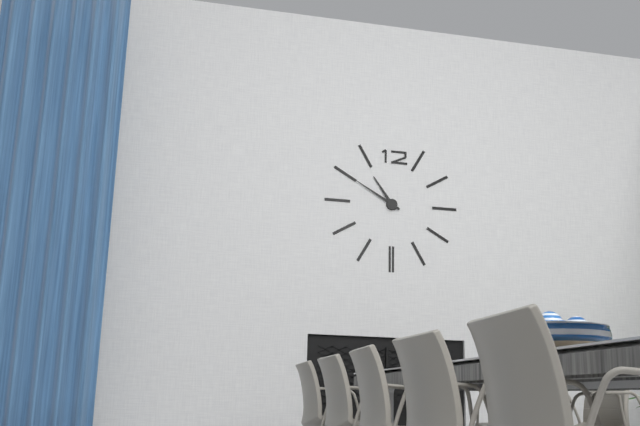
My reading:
{"hour": 10, "minute": 50}
